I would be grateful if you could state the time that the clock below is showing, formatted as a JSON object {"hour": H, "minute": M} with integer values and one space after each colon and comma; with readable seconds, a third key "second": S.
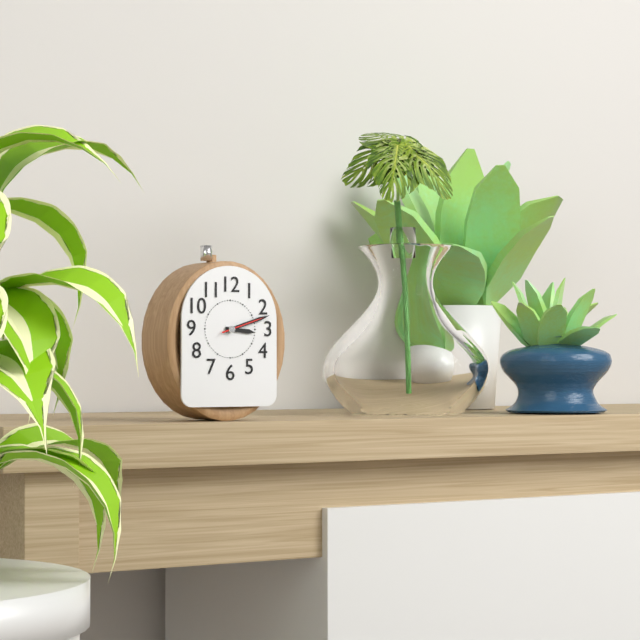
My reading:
{"hour": 3, "minute": 12}
